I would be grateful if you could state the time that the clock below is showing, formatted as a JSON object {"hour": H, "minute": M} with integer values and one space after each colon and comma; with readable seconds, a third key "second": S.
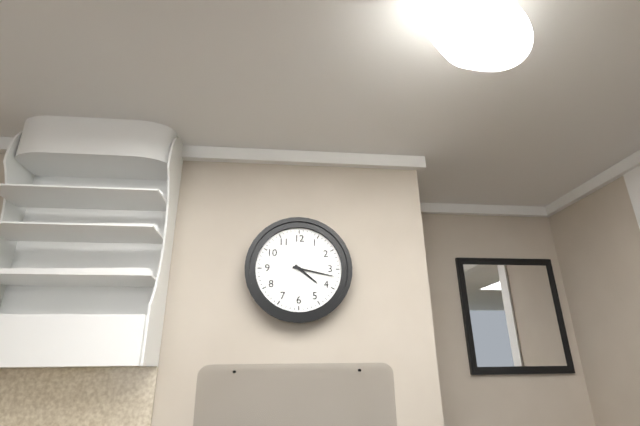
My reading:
{"hour": 4, "minute": 17}
